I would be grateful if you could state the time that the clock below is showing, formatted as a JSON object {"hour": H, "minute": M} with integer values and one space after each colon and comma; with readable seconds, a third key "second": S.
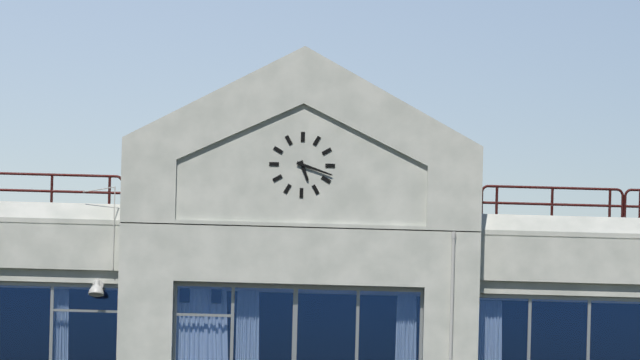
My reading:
{"hour": 5, "minute": 18}
